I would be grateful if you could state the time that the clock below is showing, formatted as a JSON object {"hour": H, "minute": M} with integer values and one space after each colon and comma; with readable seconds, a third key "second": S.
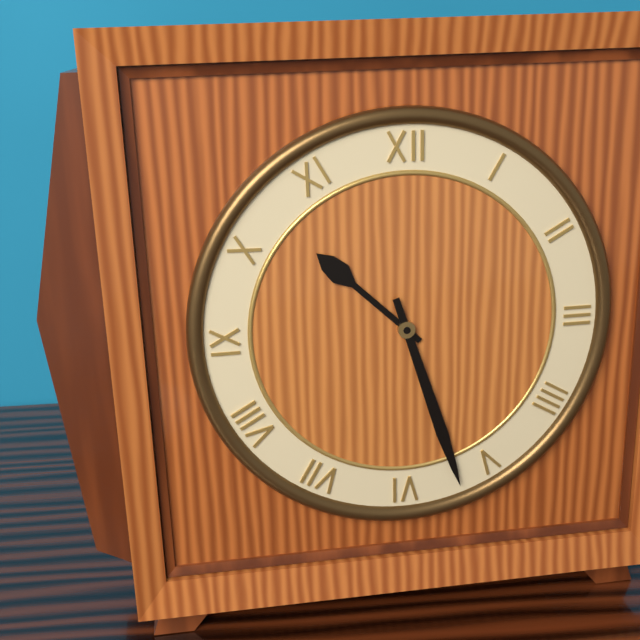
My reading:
{"hour": 10, "minute": 27}
